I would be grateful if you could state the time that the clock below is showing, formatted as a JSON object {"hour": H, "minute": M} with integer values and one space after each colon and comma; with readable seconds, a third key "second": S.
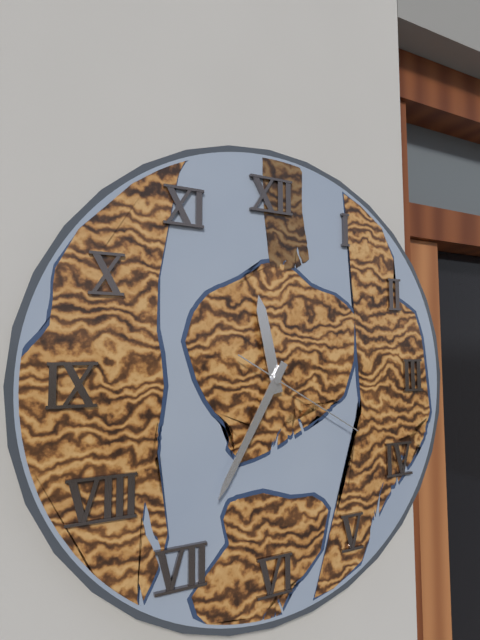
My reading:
{"hour": 11, "minute": 35, "second": 20}
